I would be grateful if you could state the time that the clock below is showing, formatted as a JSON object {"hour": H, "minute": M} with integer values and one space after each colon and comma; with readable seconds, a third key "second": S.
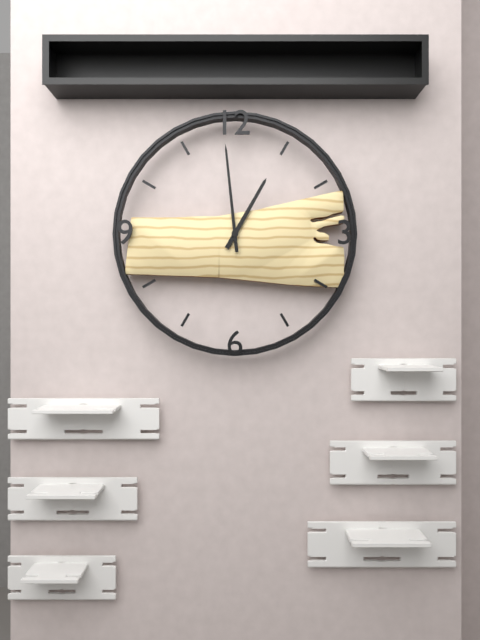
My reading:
{"hour": 12, "minute": 59}
